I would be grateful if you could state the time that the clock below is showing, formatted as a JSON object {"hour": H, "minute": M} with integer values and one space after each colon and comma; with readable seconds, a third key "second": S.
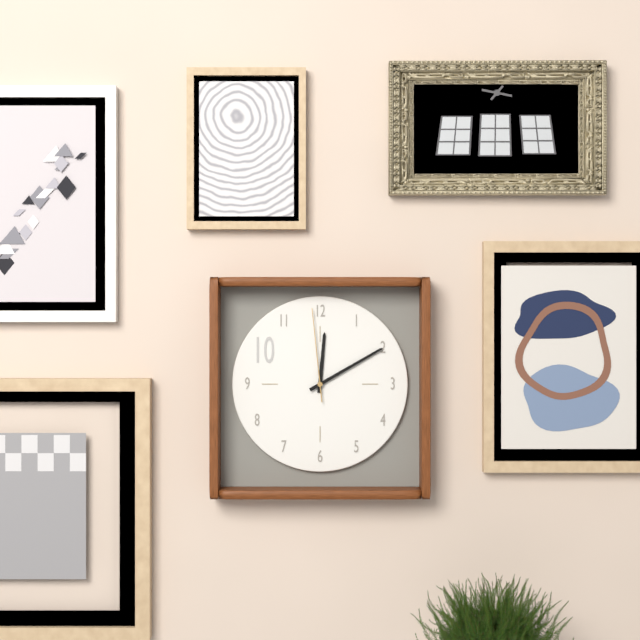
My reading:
{"hour": 12, "minute": 10, "second": 59}
